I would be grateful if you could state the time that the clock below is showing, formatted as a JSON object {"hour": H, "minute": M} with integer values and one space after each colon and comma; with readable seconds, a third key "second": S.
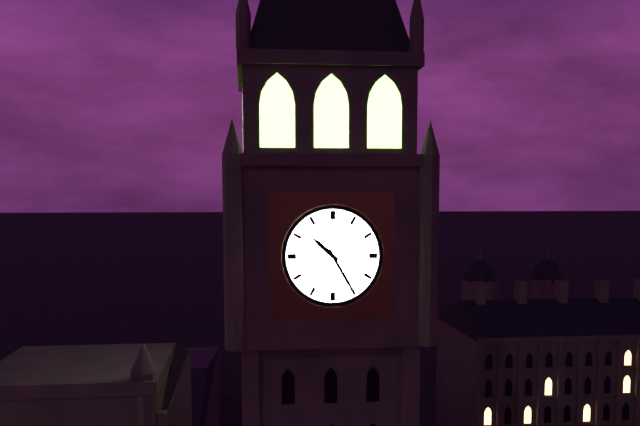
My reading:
{"hour": 10, "minute": 25}
